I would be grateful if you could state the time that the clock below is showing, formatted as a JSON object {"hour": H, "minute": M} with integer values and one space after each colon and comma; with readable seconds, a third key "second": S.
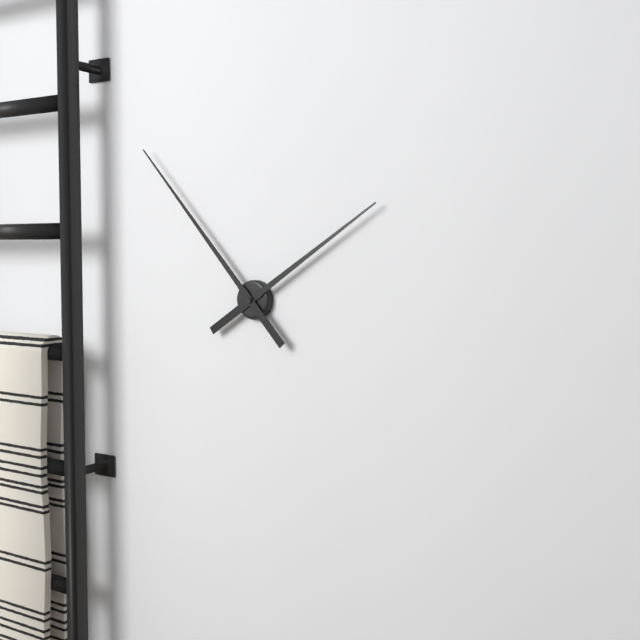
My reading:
{"hour": 1, "minute": 53}
